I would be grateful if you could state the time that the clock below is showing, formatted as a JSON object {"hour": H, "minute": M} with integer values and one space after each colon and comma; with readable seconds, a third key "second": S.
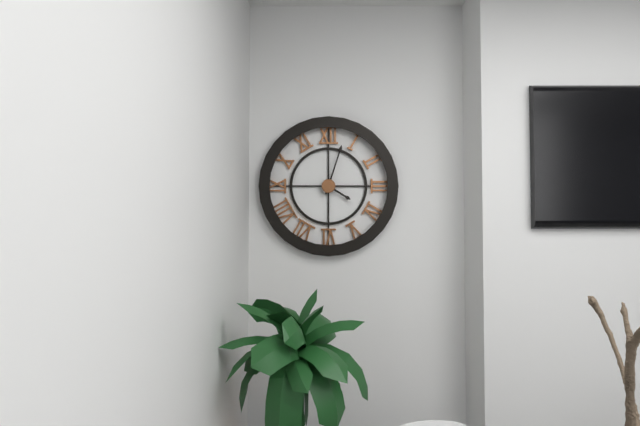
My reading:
{"hour": 4, "minute": 3}
